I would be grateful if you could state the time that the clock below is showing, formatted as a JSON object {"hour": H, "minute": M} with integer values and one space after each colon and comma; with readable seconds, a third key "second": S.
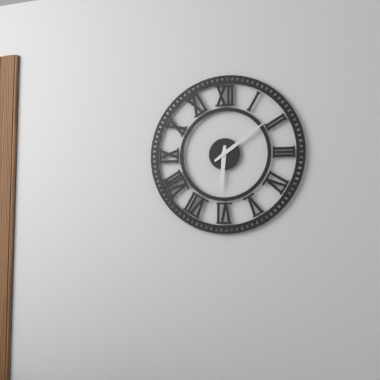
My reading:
{"hour": 6, "minute": 9}
